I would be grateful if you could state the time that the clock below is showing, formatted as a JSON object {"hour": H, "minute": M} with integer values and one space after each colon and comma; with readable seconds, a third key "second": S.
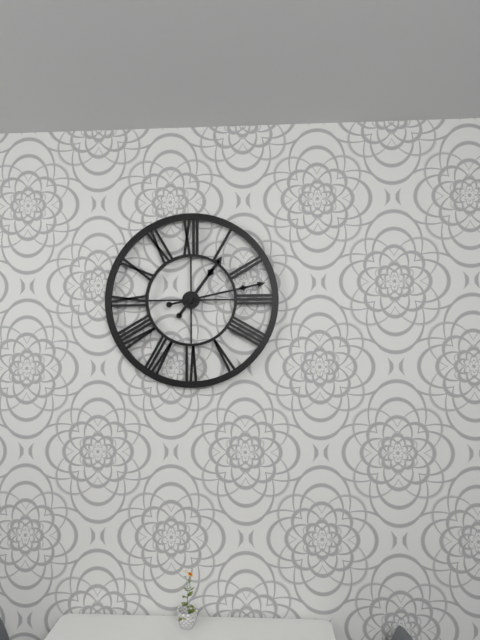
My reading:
{"hour": 1, "minute": 13}
